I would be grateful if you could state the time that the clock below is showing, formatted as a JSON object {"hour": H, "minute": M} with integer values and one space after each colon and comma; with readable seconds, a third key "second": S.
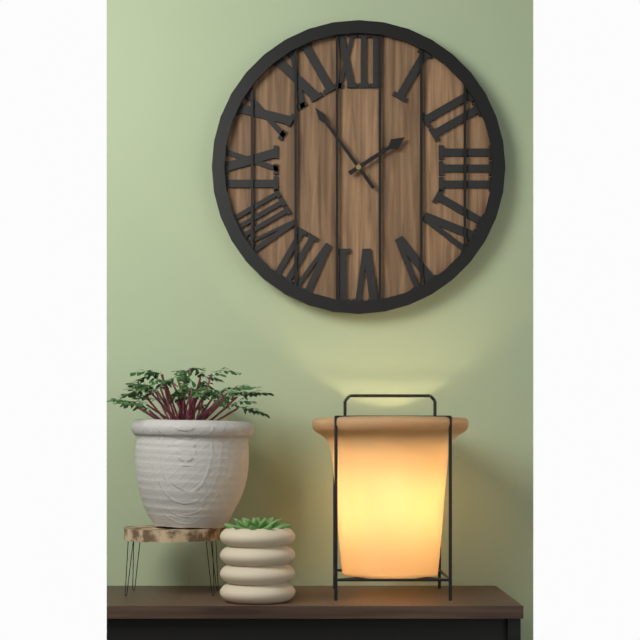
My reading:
{"hour": 1, "minute": 54}
